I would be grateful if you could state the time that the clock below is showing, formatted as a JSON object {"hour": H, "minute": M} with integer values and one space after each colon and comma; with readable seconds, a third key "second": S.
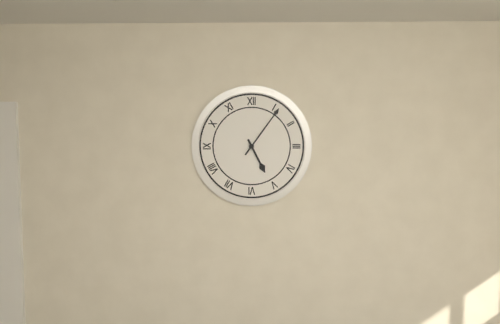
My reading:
{"hour": 5, "minute": 6}
